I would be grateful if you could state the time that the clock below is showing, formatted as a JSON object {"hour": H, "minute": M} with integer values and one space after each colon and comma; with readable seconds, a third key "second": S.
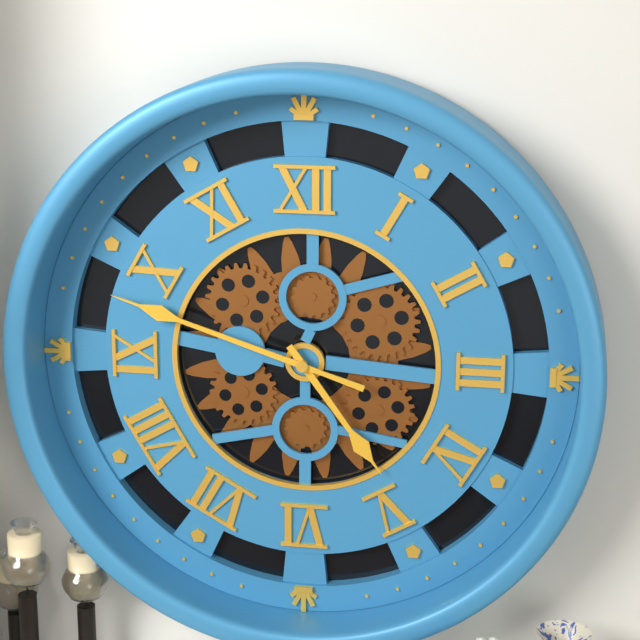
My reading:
{"hour": 4, "minute": 48}
